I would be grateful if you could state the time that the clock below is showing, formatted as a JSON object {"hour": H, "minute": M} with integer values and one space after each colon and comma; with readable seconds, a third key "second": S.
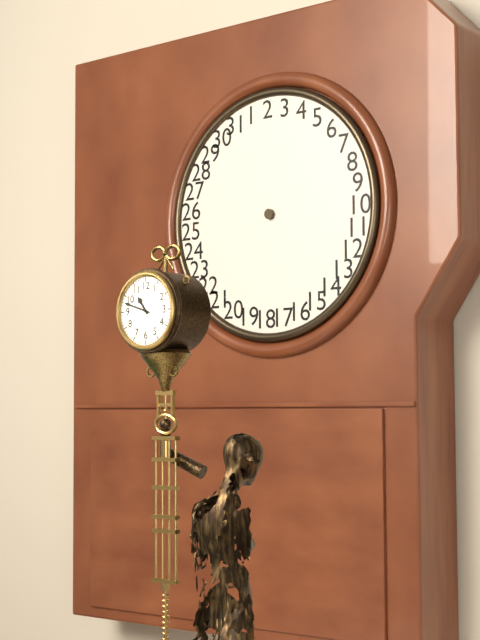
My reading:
{"hour": 10, "minute": 48}
